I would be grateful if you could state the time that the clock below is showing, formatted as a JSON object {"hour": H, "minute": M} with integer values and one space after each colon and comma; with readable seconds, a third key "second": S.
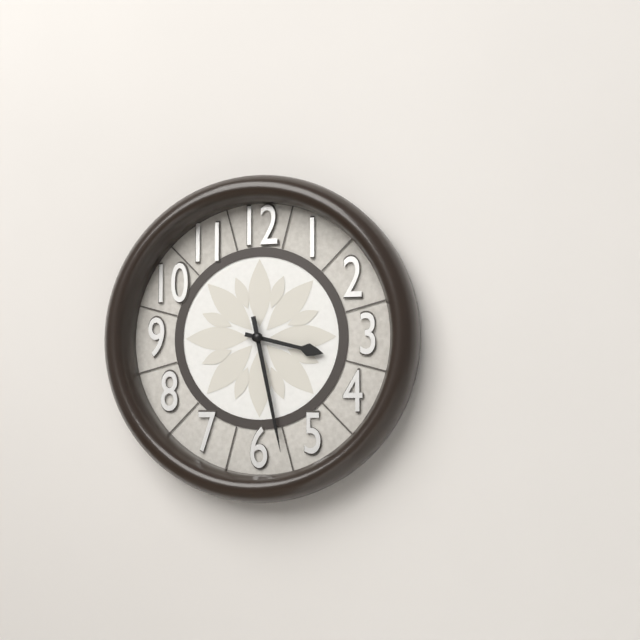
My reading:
{"hour": 3, "minute": 28}
